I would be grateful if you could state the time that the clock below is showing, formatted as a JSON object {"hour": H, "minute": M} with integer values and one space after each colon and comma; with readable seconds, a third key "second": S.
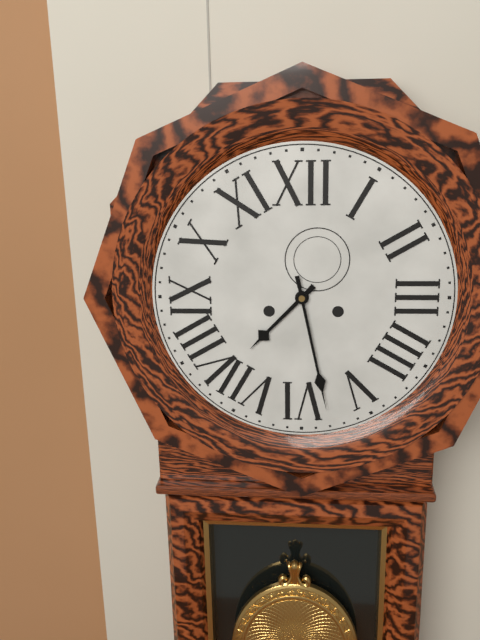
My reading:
{"hour": 7, "minute": 28}
